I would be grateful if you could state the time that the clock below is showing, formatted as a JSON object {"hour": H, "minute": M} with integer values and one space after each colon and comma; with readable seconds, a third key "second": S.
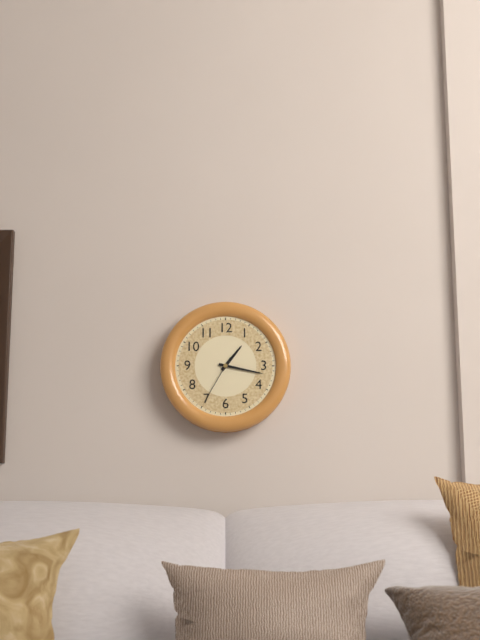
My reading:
{"hour": 1, "minute": 17, "second": 35}
